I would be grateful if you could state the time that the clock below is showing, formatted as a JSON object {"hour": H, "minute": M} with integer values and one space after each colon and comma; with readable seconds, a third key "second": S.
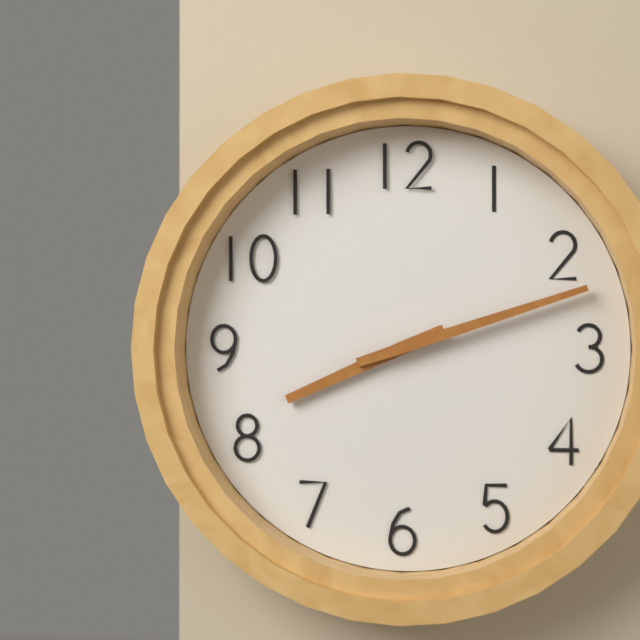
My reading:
{"hour": 8, "minute": 12}
